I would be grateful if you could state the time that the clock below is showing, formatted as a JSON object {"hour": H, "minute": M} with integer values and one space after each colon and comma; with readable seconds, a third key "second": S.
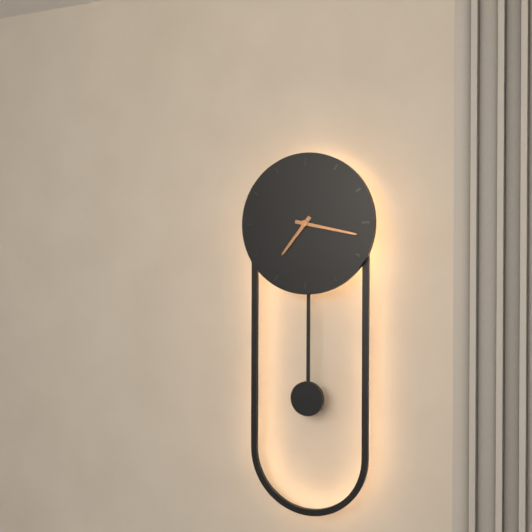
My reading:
{"hour": 7, "minute": 17}
